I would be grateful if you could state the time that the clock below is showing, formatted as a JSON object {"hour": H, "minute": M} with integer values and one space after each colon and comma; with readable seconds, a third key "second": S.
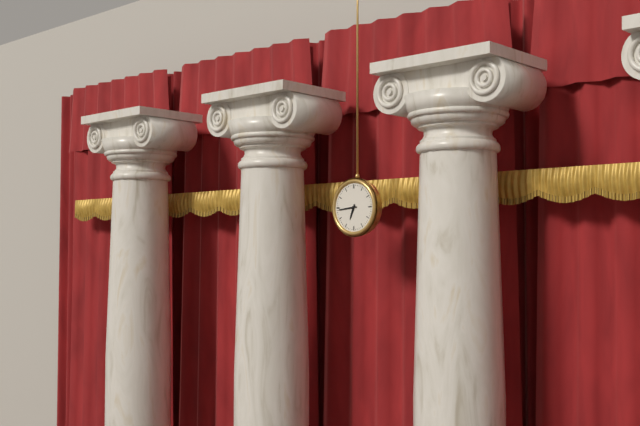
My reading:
{"hour": 6, "minute": 44}
